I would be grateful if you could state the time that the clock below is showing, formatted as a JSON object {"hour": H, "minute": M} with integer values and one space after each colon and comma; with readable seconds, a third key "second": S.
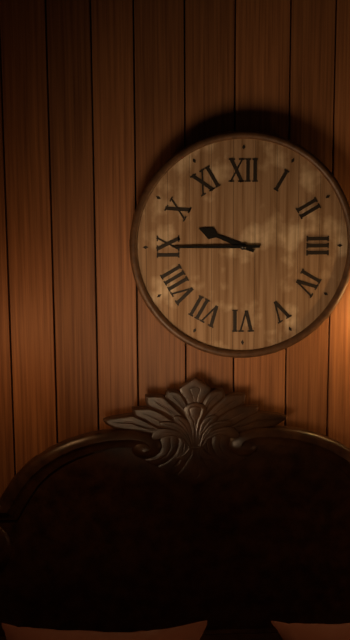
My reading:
{"hour": 9, "minute": 45}
